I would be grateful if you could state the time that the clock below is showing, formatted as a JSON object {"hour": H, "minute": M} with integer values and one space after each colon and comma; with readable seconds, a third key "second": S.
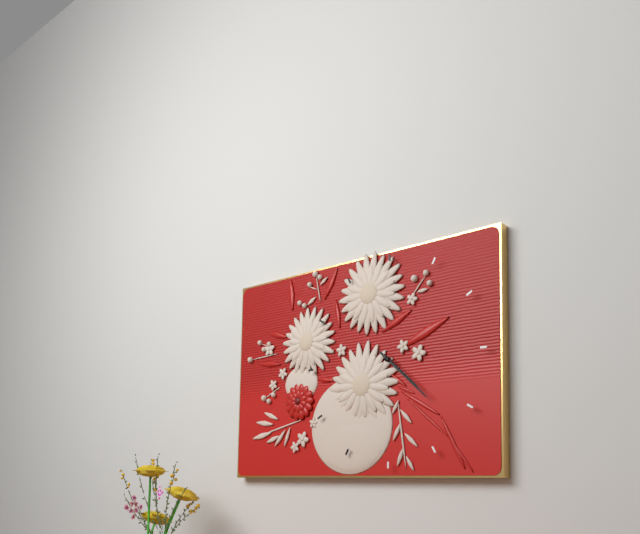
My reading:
{"hour": 4, "minute": 22}
